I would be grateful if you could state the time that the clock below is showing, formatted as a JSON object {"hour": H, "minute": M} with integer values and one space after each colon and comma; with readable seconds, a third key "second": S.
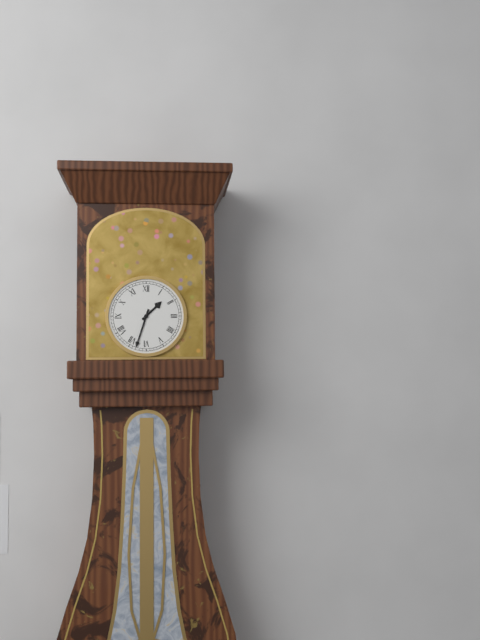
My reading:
{"hour": 1, "minute": 33}
